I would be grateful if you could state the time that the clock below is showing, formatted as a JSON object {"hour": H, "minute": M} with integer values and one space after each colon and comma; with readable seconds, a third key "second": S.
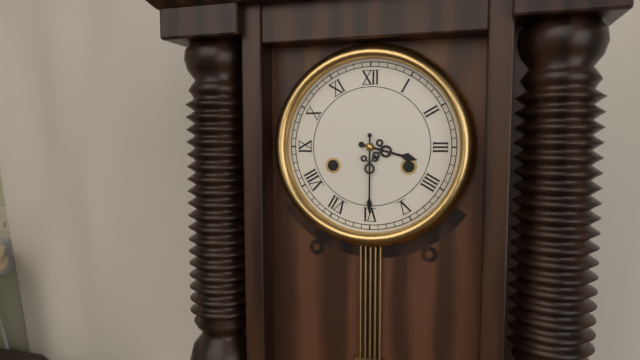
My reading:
{"hour": 3, "minute": 30}
